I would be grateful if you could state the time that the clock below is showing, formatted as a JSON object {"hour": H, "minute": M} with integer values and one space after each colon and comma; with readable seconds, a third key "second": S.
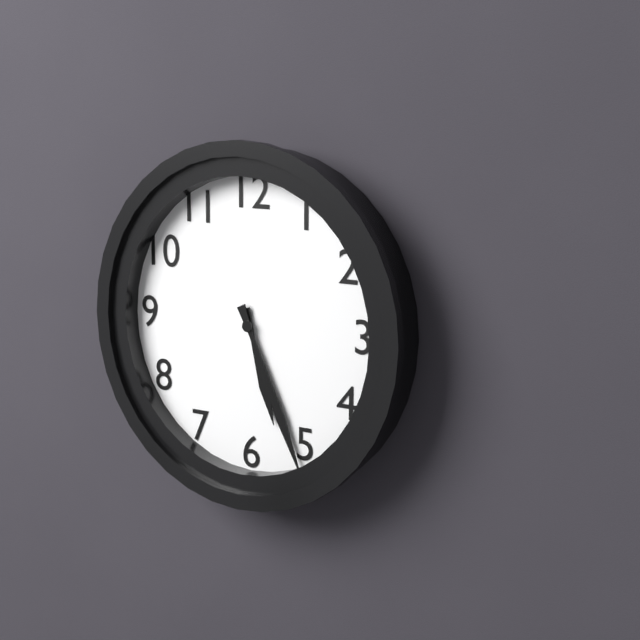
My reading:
{"hour": 5, "minute": 26}
